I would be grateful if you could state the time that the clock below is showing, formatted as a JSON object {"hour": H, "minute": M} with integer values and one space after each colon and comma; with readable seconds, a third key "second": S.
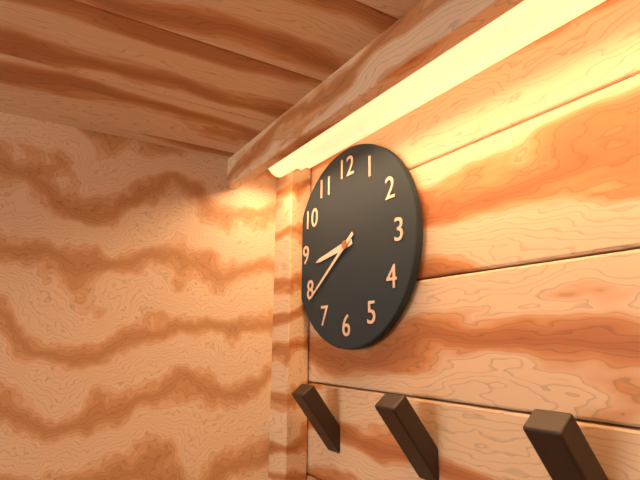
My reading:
{"hour": 8, "minute": 39}
